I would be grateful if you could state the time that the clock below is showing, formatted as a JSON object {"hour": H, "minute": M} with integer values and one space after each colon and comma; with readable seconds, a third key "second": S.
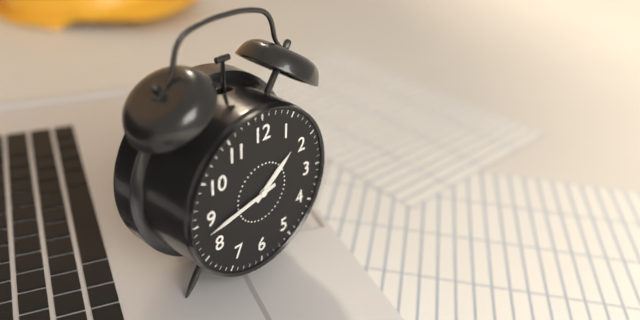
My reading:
{"hour": 1, "minute": 43}
